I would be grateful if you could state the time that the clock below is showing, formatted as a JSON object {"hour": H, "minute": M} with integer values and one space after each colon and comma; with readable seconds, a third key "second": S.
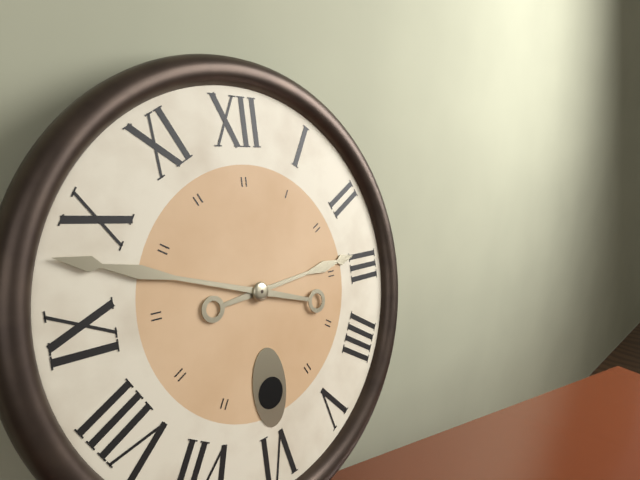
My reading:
{"hour": 2, "minute": 48}
